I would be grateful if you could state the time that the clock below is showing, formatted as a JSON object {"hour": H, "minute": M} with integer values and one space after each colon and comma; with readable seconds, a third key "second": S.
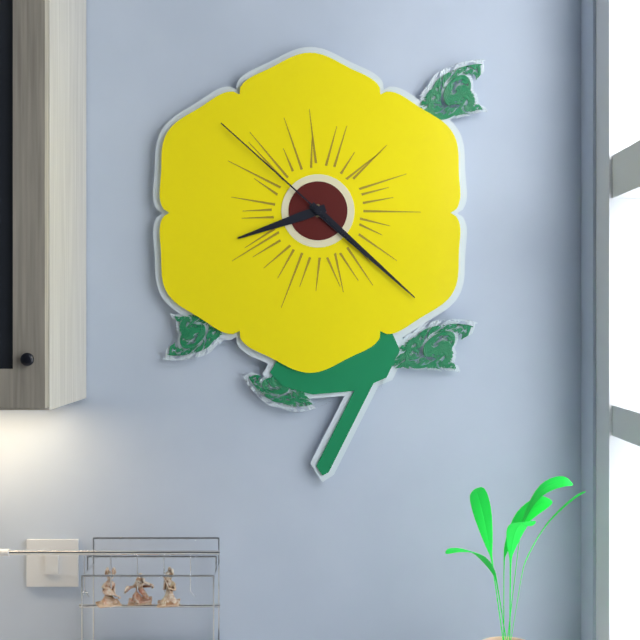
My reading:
{"hour": 8, "minute": 22, "second": 52}
